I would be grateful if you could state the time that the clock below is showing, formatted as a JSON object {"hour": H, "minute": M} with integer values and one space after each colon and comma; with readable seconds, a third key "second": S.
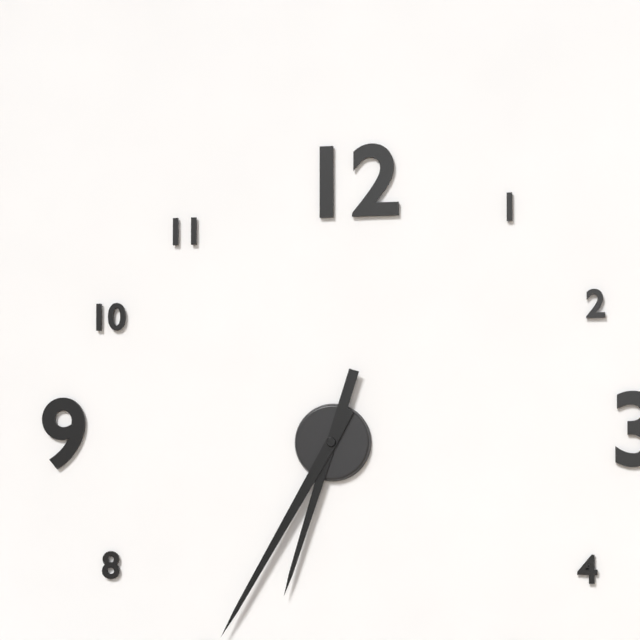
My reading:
{"hour": 6, "minute": 35}
